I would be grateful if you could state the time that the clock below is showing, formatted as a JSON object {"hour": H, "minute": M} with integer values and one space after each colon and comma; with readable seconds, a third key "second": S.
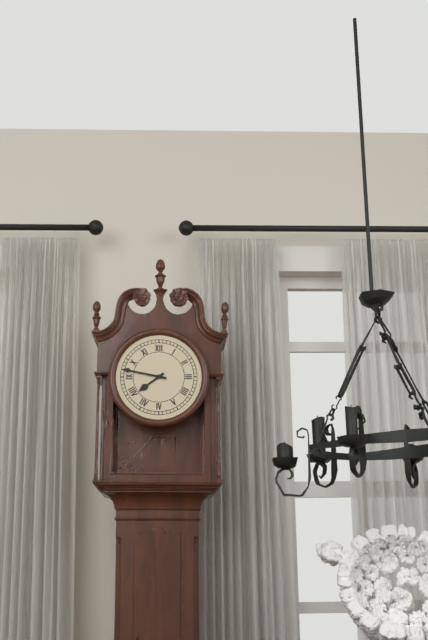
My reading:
{"hour": 7, "minute": 47}
